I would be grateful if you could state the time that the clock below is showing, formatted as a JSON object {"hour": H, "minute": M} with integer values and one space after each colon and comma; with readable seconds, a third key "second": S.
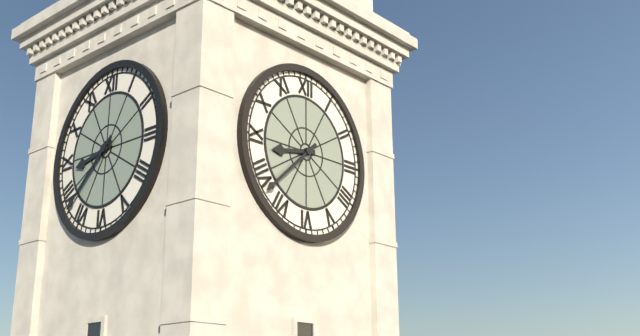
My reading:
{"hour": 8, "minute": 38}
